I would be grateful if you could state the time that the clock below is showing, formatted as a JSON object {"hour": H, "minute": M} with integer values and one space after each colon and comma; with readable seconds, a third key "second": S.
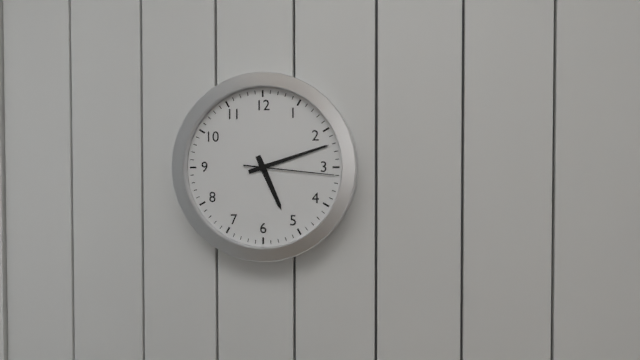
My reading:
{"hour": 5, "minute": 12, "second": 16}
